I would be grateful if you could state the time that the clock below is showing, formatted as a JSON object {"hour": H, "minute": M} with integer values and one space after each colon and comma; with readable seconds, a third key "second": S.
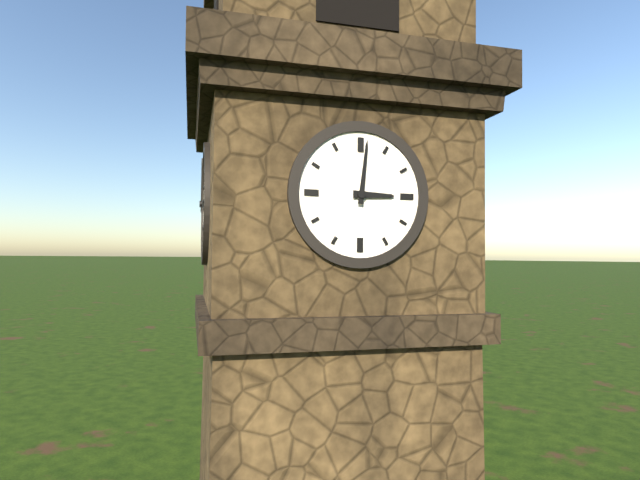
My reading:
{"hour": 3, "minute": 1}
